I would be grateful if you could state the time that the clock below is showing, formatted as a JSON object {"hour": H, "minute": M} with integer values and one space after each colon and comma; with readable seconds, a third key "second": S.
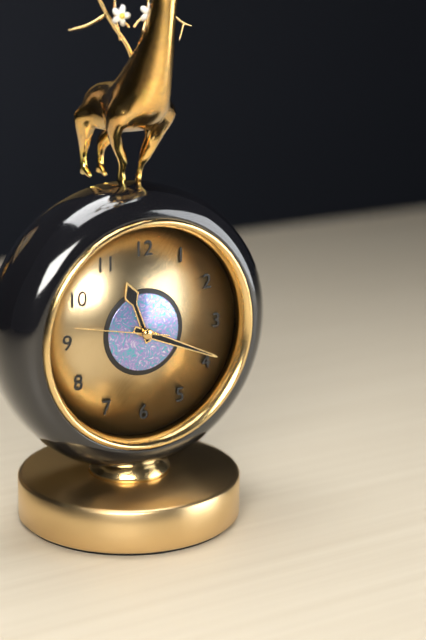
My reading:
{"hour": 11, "minute": 19, "second": 47}
